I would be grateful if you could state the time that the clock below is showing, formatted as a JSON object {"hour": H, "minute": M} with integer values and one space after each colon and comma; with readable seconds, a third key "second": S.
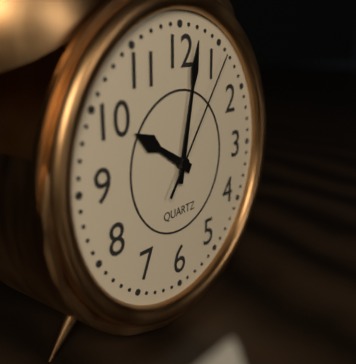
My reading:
{"hour": 10, "minute": 2, "second": 6}
